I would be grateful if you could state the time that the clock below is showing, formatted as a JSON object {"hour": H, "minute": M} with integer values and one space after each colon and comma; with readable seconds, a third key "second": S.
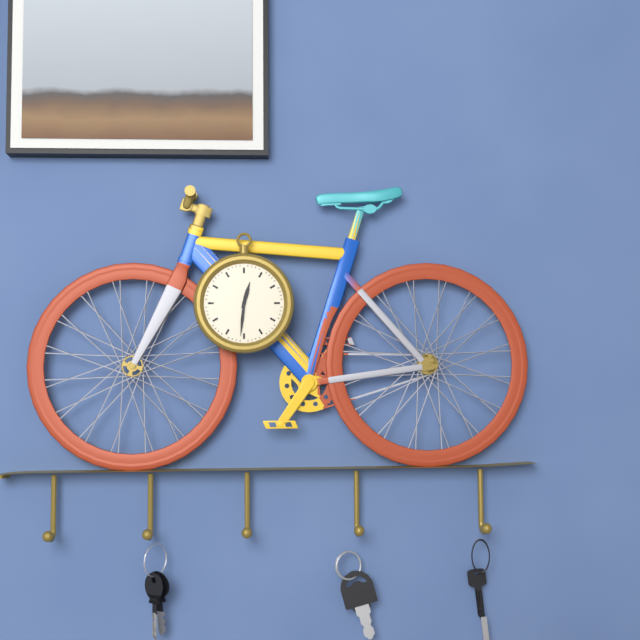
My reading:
{"hour": 12, "minute": 31}
